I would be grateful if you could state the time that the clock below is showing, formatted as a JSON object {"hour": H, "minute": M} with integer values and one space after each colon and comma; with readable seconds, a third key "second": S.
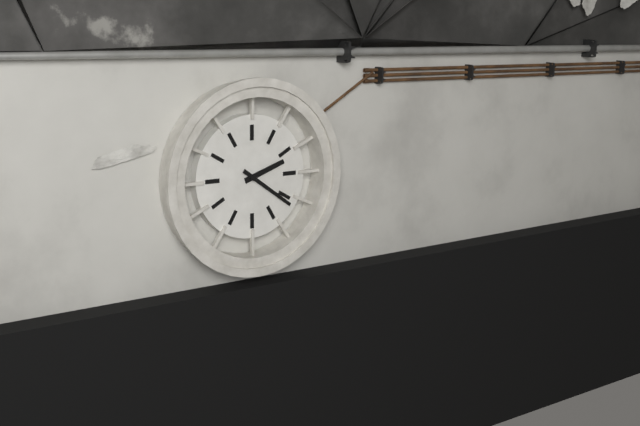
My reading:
{"hour": 2, "minute": 21}
